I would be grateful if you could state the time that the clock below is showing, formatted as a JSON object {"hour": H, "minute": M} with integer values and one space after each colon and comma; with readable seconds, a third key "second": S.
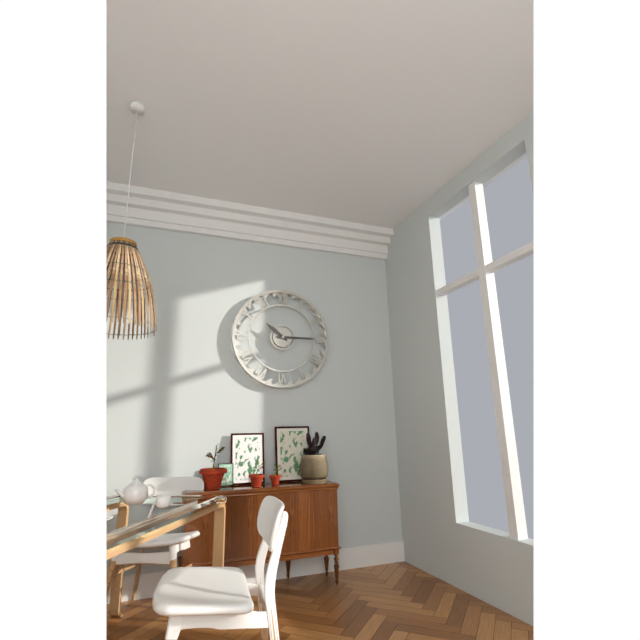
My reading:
{"hour": 10, "minute": 15}
